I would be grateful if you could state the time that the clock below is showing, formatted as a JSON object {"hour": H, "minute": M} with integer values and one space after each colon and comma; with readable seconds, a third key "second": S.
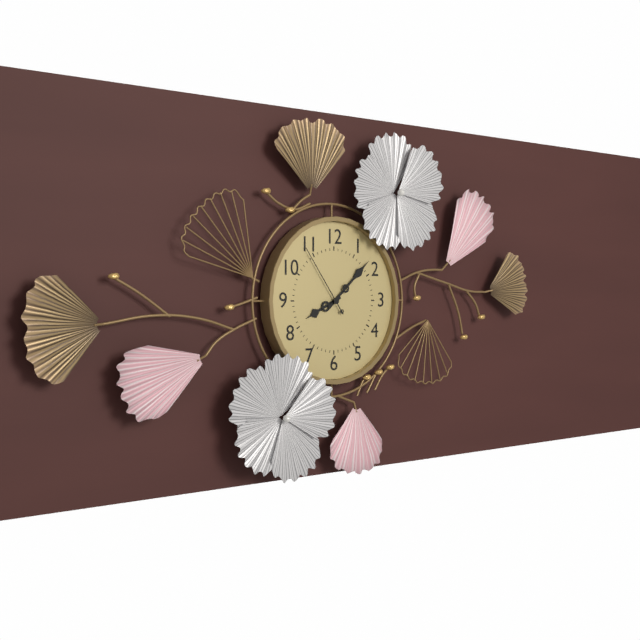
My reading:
{"hour": 8, "minute": 8, "second": 54}
